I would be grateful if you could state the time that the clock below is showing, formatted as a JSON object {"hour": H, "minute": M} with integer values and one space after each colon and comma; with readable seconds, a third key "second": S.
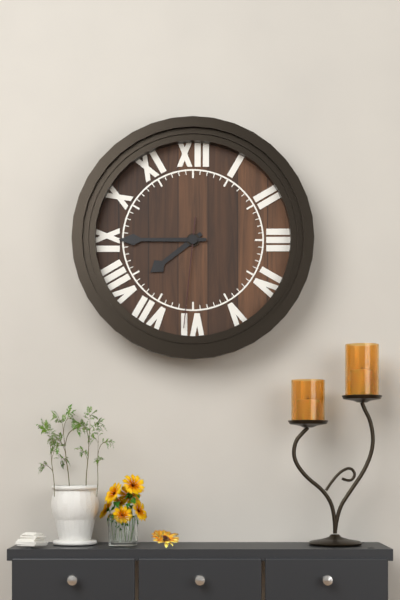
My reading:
{"hour": 7, "minute": 45, "second": 31}
